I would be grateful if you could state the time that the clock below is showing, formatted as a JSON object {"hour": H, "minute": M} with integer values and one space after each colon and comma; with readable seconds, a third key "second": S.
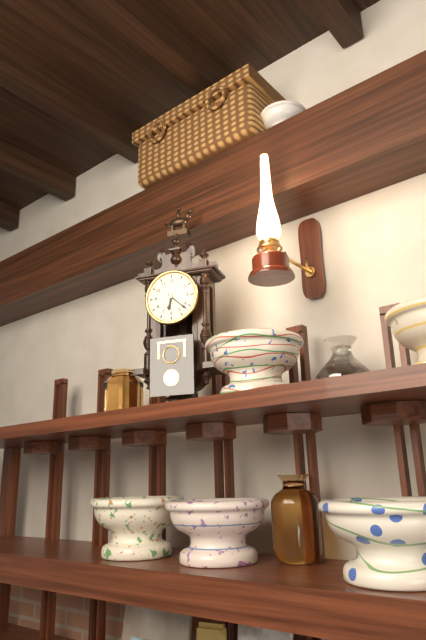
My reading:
{"hour": 6, "minute": 22}
